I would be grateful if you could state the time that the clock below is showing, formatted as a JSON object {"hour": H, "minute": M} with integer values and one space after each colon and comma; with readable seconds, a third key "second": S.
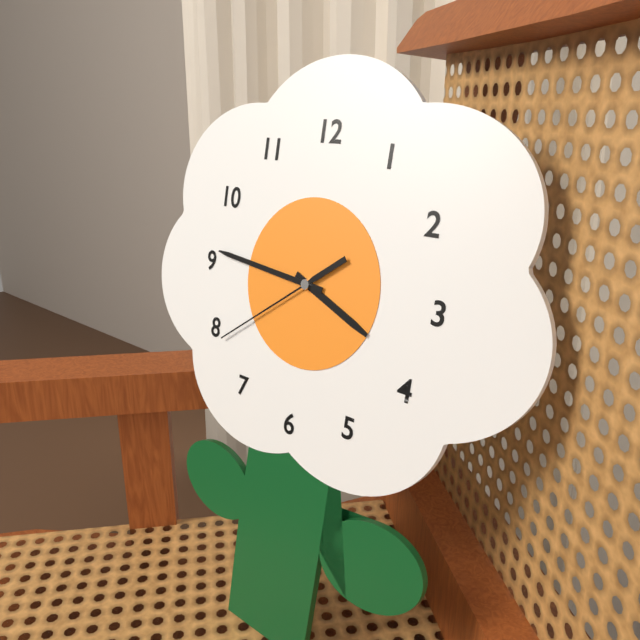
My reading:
{"hour": 3, "minute": 46, "second": 39}
